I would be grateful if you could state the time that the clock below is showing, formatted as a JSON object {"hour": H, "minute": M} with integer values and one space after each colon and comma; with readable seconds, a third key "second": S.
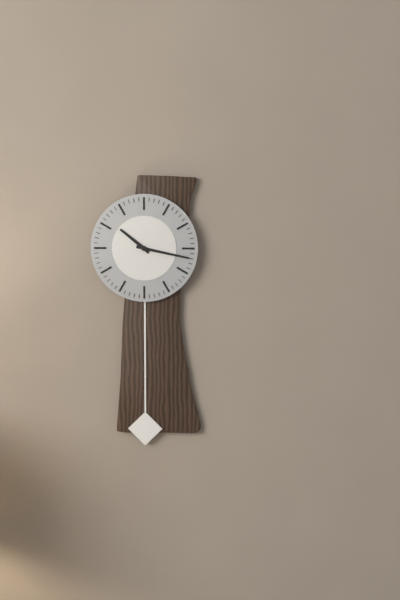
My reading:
{"hour": 10, "minute": 17}
